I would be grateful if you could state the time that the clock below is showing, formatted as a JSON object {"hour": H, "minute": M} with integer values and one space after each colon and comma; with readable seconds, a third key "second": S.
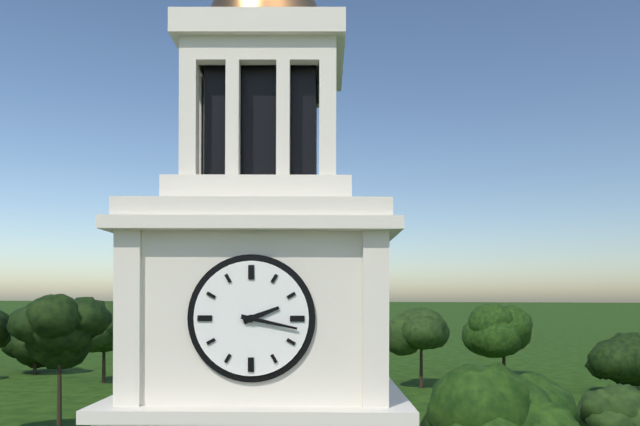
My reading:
{"hour": 2, "minute": 17}
